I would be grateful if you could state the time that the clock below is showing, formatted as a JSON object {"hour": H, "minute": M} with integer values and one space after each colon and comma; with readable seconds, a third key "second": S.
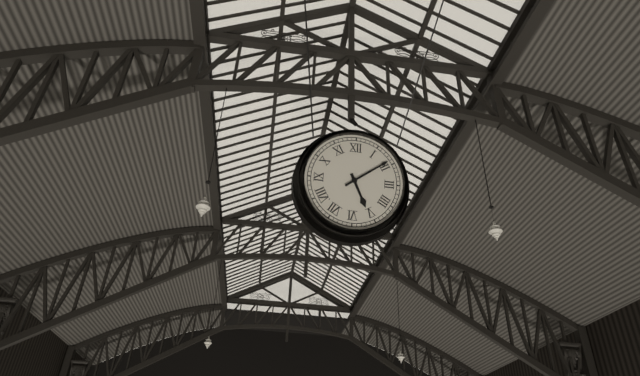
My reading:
{"hour": 5, "minute": 9}
